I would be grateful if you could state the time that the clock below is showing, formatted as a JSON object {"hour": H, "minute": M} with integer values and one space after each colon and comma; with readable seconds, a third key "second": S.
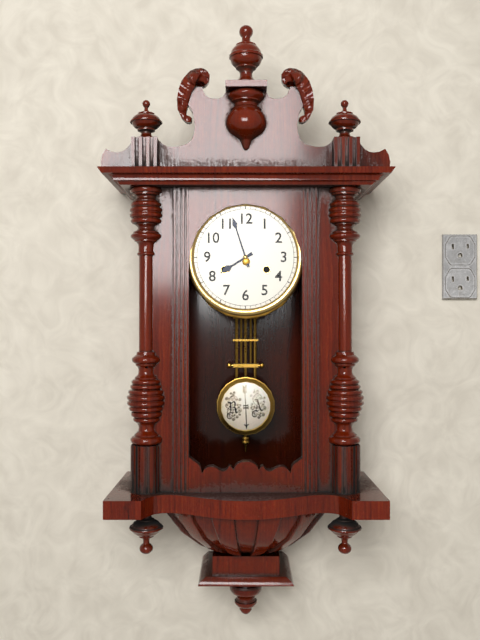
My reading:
{"hour": 7, "minute": 57}
